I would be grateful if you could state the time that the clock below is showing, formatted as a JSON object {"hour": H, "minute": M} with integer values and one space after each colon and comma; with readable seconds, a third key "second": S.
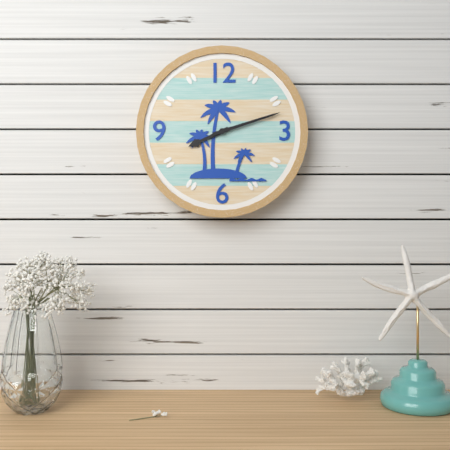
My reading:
{"hour": 8, "minute": 12}
